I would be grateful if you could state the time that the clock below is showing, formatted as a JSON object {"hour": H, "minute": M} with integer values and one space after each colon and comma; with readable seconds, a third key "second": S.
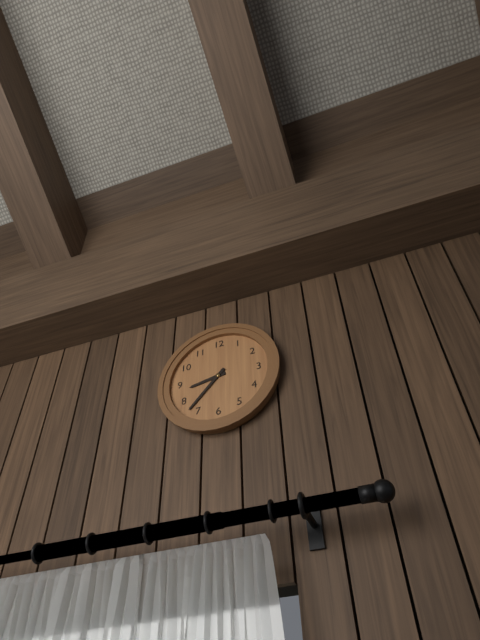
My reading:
{"hour": 8, "minute": 37}
